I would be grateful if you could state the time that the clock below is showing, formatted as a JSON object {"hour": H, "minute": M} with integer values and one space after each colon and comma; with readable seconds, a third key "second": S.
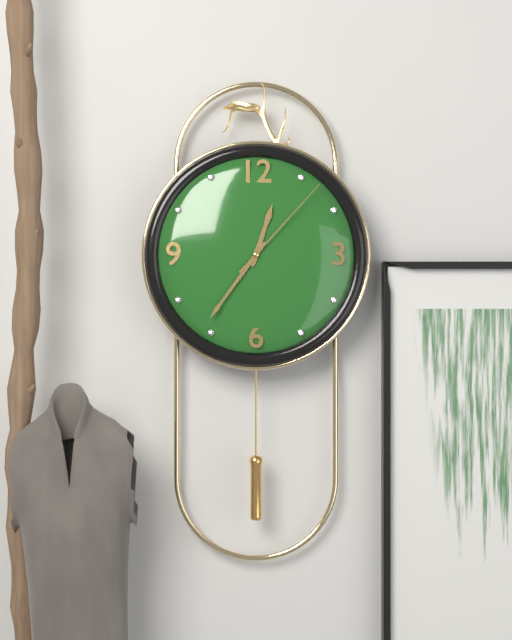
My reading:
{"hour": 12, "minute": 36, "second": 7}
